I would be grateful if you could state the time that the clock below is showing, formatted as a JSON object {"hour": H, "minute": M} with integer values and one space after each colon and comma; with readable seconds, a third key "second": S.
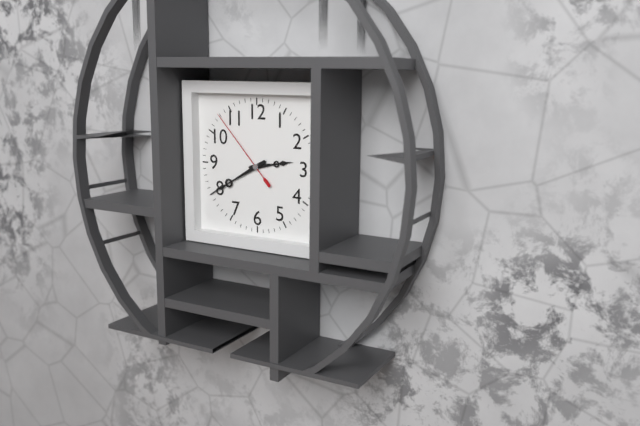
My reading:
{"hour": 2, "minute": 40, "second": 53}
